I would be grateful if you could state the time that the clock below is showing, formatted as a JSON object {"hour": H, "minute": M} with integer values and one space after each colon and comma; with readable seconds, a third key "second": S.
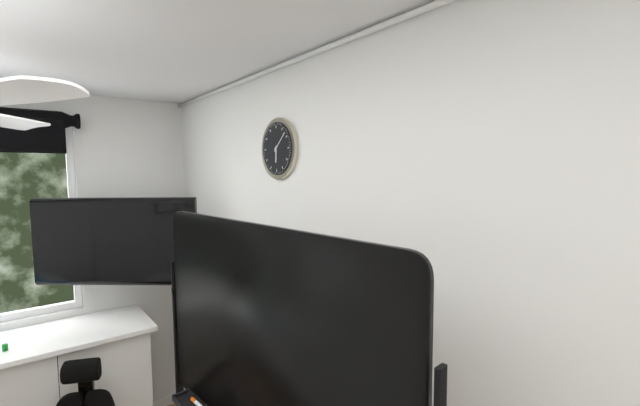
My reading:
{"hour": 6, "minute": 8}
